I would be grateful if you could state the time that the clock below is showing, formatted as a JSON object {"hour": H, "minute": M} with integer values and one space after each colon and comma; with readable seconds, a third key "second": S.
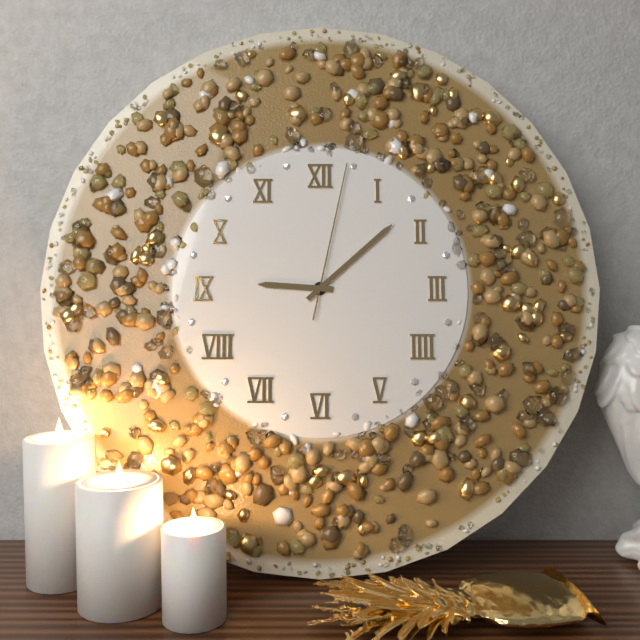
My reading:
{"hour": 9, "minute": 8, "second": 2}
